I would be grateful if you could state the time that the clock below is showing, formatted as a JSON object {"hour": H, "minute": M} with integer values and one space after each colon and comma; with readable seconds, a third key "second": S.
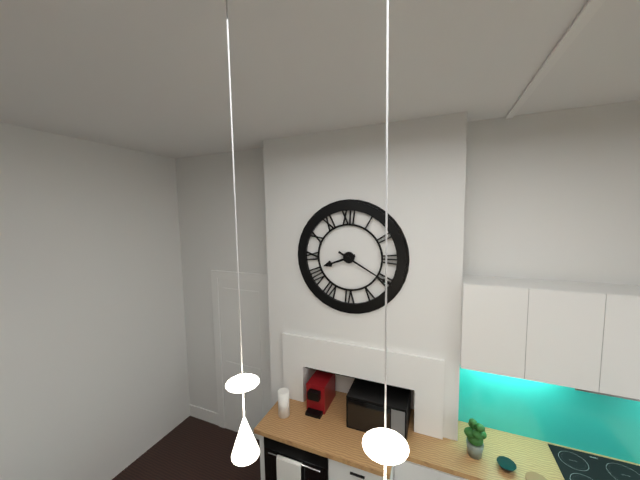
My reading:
{"hour": 8, "minute": 20}
